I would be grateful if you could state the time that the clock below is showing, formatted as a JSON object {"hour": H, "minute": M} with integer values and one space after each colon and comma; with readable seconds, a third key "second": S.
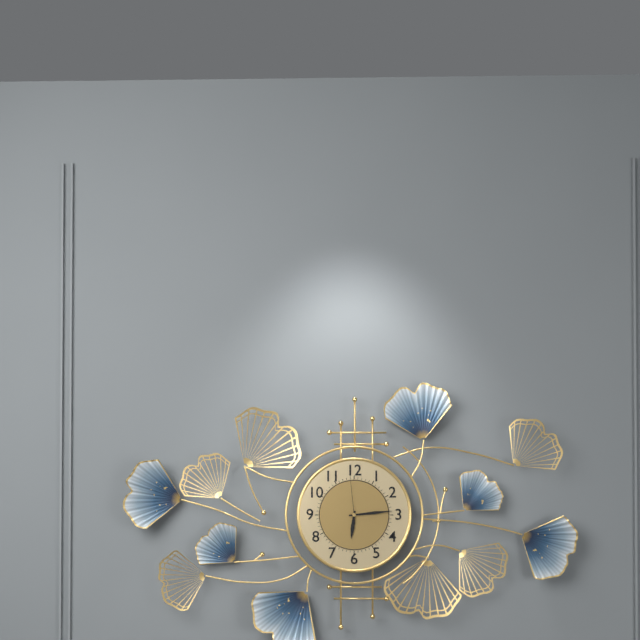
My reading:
{"hour": 6, "minute": 14, "second": 59}
